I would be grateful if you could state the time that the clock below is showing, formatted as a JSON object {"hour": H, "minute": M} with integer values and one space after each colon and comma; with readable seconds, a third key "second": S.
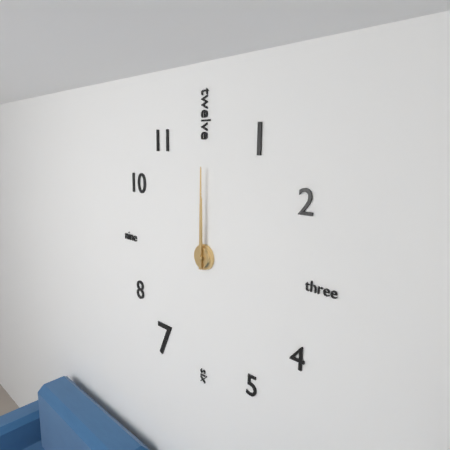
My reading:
{"hour": 12, "minute": 0}
